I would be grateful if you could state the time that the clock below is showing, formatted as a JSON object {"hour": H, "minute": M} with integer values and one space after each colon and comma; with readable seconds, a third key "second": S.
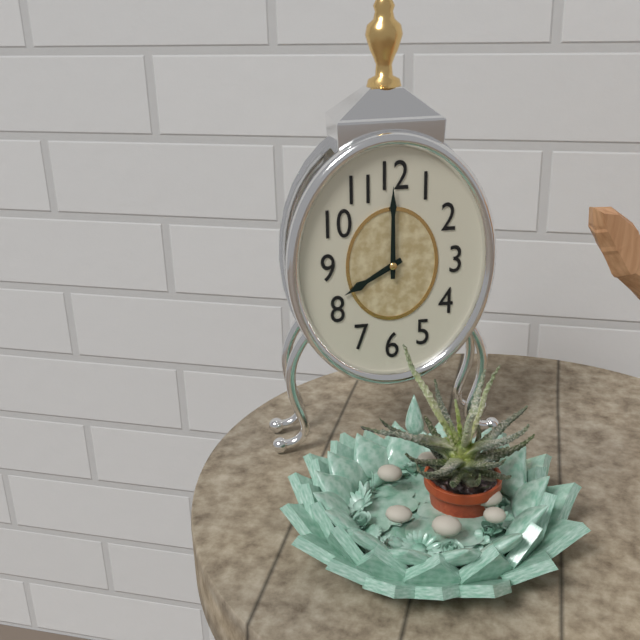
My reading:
{"hour": 8, "minute": 0}
